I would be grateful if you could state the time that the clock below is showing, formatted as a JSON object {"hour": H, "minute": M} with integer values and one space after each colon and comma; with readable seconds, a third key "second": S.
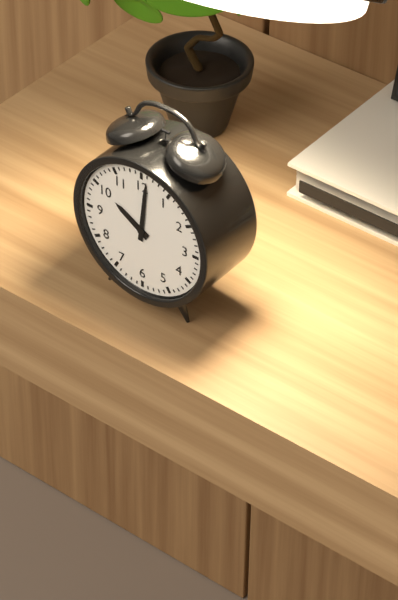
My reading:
{"hour": 10, "minute": 1}
